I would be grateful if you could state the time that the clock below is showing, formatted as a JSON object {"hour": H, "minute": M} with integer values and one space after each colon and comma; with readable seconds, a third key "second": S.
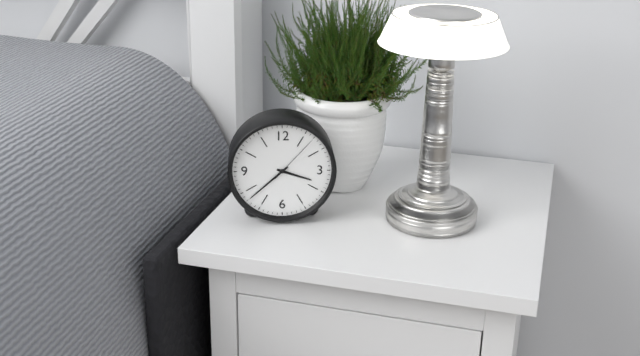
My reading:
{"hour": 3, "minute": 38, "second": 7}
